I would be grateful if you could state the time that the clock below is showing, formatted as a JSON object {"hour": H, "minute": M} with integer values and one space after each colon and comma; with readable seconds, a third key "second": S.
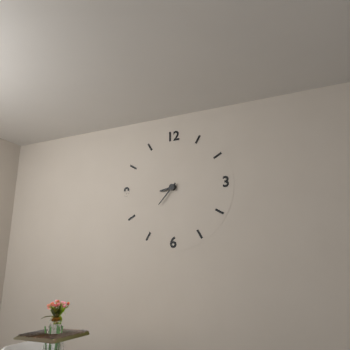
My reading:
{"hour": 8, "minute": 37}
